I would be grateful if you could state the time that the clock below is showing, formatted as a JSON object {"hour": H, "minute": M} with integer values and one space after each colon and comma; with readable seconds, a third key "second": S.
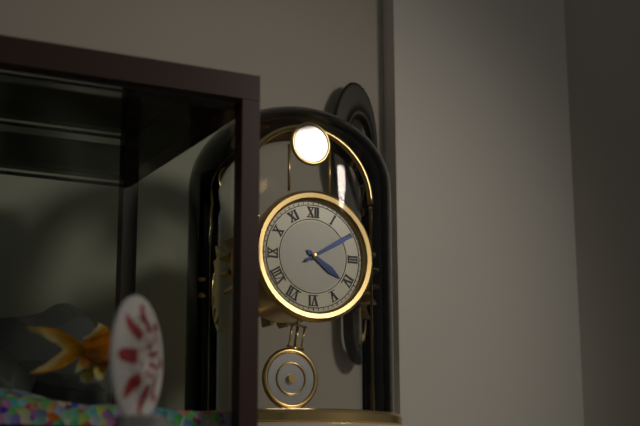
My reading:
{"hour": 4, "minute": 10}
